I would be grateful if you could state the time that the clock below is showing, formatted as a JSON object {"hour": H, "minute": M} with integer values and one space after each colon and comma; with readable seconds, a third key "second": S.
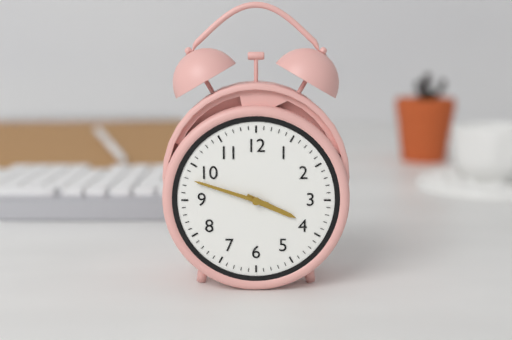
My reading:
{"hour": 3, "minute": 48}
